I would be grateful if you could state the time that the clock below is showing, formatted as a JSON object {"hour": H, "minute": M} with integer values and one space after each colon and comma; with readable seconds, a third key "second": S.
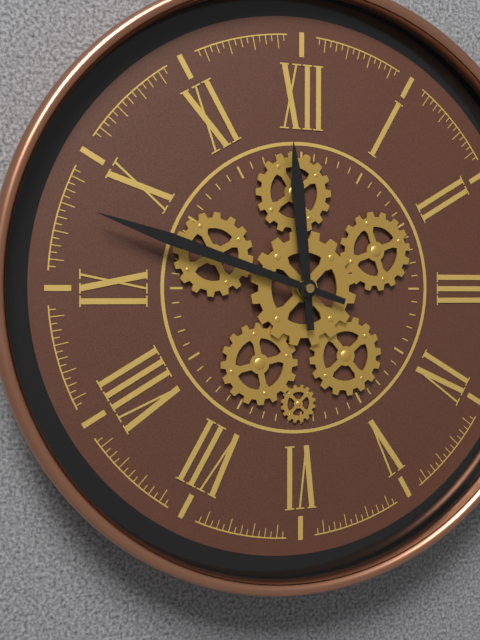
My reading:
{"hour": 11, "minute": 48}
